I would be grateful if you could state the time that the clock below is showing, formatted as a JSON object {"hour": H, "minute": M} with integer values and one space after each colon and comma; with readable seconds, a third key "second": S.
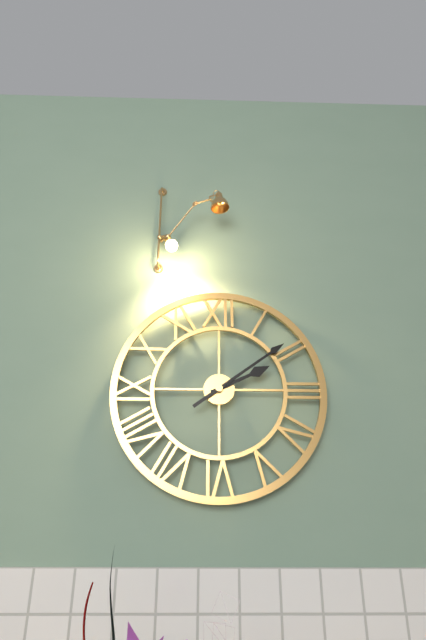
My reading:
{"hour": 2, "minute": 9}
